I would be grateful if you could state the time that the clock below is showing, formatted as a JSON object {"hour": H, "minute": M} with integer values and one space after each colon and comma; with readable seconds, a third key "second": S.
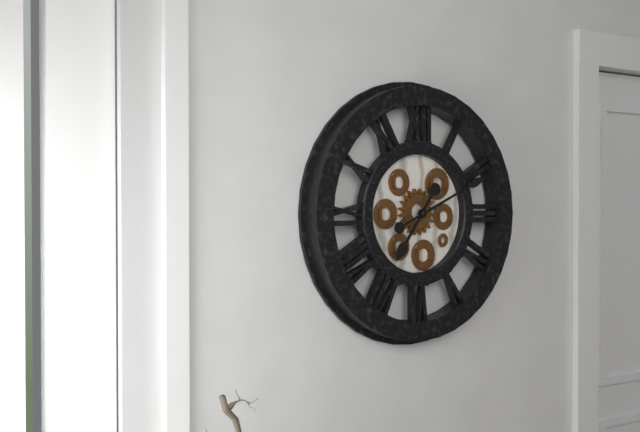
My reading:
{"hour": 7, "minute": 11}
